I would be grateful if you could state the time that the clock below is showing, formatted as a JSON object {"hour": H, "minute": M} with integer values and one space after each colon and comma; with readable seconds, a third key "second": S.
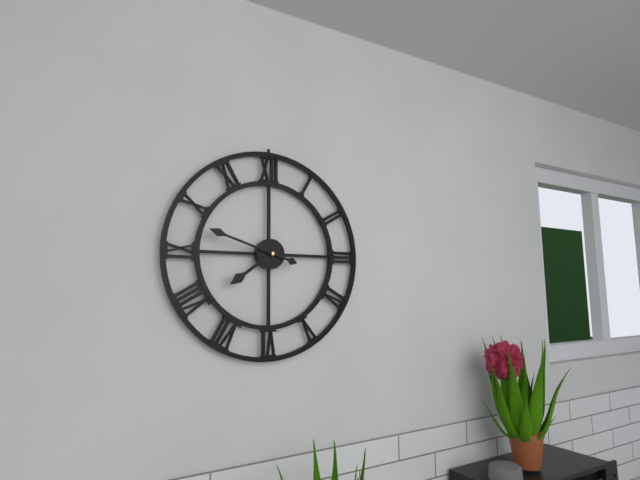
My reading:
{"hour": 7, "minute": 48}
